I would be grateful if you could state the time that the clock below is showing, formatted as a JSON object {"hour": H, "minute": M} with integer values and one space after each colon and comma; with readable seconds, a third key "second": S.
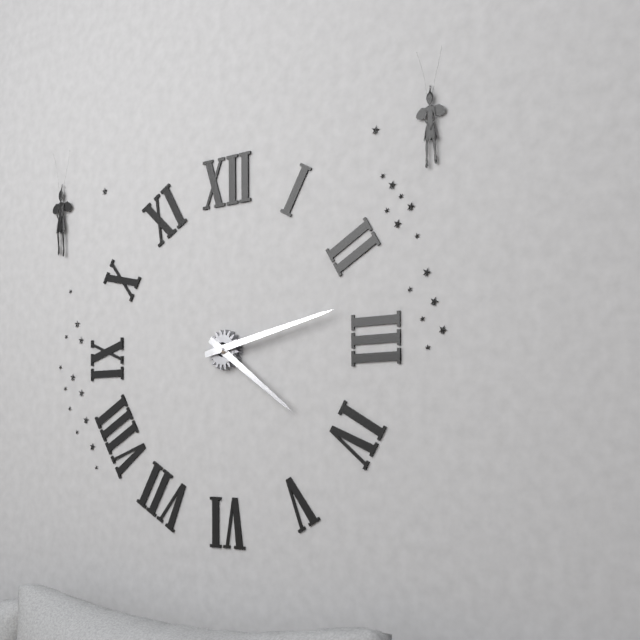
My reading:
{"hour": 4, "minute": 13}
